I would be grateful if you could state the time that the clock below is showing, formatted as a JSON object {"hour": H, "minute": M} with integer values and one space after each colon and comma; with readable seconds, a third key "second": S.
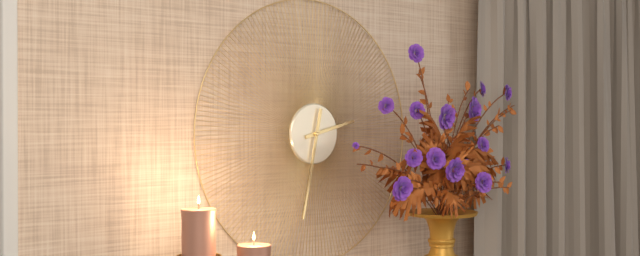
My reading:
{"hour": 2, "minute": 32}
